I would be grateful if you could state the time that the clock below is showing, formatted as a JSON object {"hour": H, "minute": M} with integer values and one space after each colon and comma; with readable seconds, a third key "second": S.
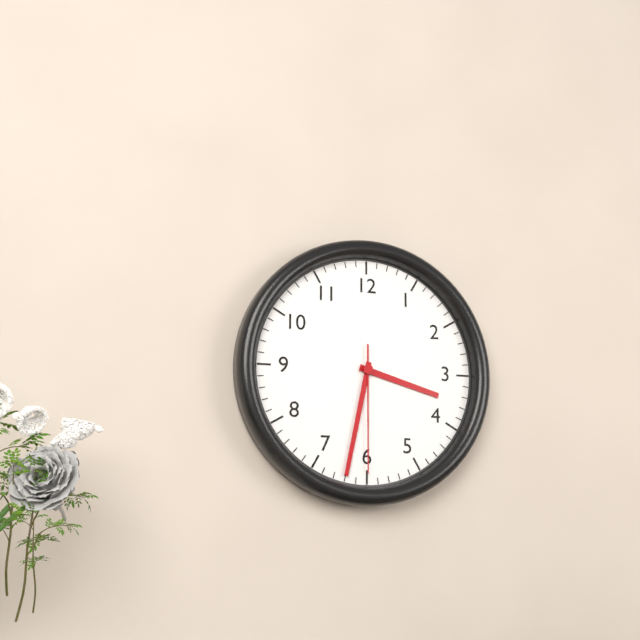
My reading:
{"hour": 3, "minute": 32, "second": 30}
